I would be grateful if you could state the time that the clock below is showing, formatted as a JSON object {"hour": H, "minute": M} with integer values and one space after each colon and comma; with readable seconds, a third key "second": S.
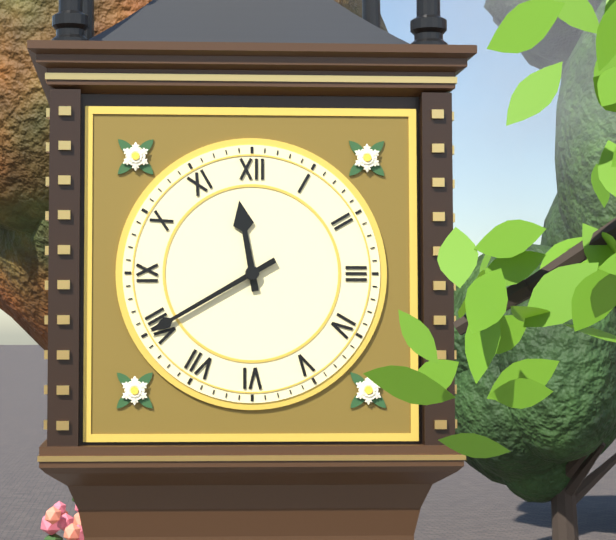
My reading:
{"hour": 11, "minute": 40}
